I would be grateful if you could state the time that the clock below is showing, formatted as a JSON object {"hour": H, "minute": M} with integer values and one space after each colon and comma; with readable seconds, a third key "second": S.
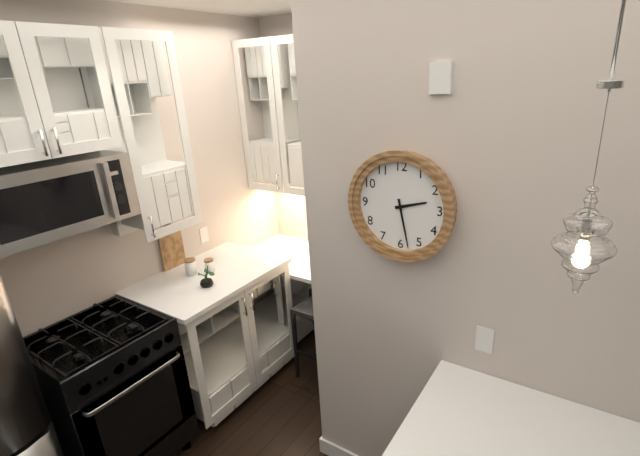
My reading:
{"hour": 2, "minute": 28}
